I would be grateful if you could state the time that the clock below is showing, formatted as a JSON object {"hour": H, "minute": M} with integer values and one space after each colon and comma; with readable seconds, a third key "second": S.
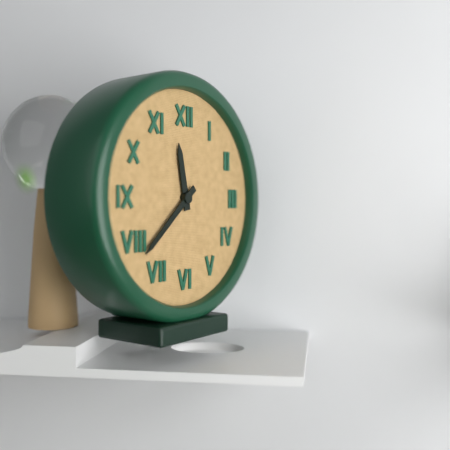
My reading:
{"hour": 11, "minute": 38}
